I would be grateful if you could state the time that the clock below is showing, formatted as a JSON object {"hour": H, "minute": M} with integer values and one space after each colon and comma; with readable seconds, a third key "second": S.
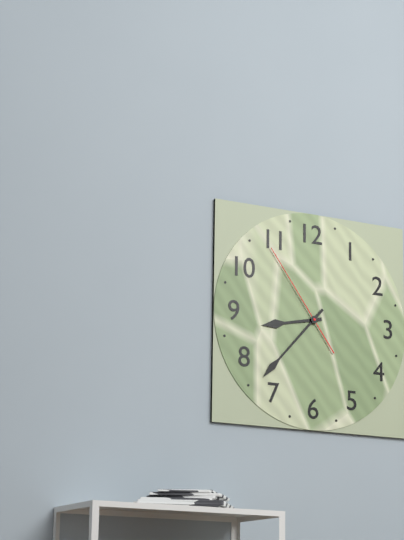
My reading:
{"hour": 8, "minute": 37, "second": 54}
